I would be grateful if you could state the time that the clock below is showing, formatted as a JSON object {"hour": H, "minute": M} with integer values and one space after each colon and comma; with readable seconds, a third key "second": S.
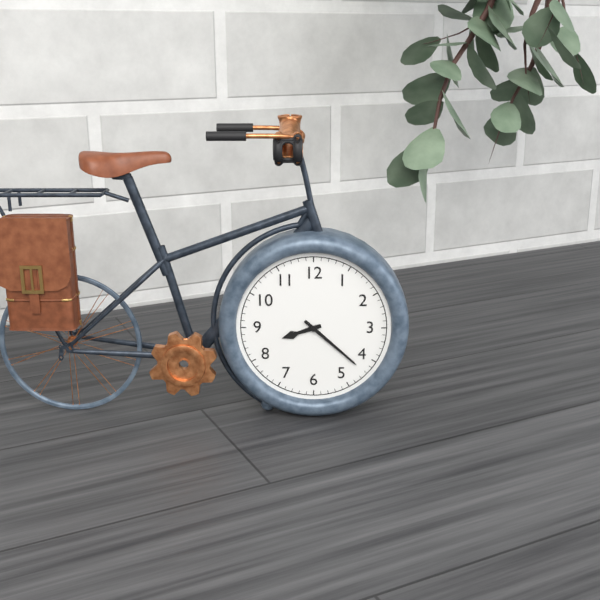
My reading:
{"hour": 8, "minute": 22}
